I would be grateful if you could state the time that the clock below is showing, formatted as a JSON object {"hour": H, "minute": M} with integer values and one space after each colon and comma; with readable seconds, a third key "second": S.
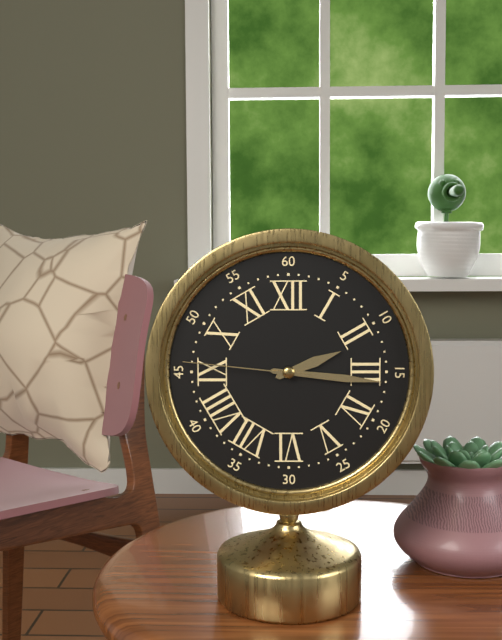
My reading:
{"hour": 2, "minute": 16, "second": 46}
